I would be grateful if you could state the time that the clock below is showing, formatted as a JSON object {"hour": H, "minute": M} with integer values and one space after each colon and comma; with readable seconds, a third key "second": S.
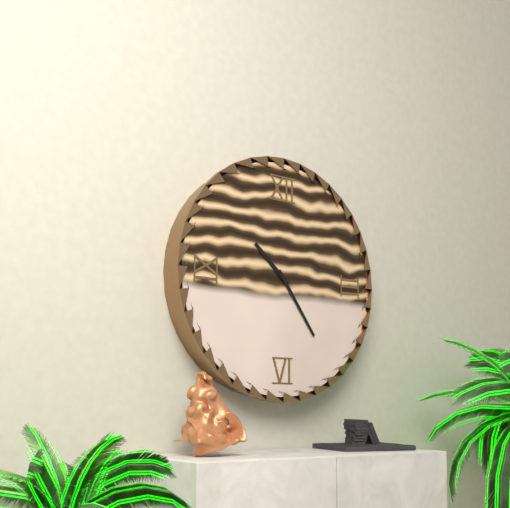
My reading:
{"hour": 10, "minute": 24}
